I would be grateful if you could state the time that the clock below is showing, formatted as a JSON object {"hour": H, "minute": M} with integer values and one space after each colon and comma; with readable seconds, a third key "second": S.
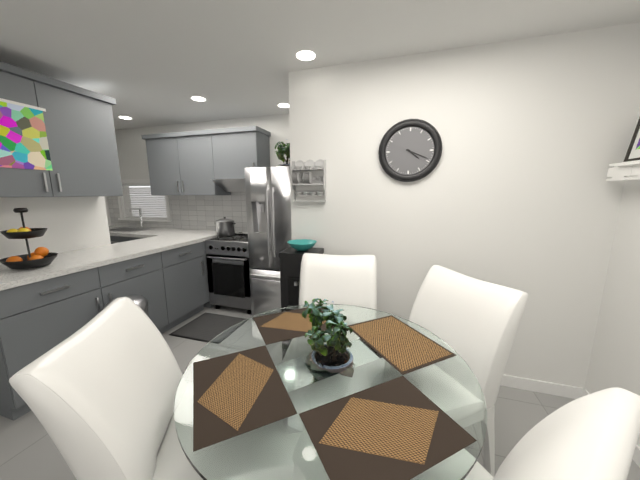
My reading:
{"hour": 4, "minute": 19}
